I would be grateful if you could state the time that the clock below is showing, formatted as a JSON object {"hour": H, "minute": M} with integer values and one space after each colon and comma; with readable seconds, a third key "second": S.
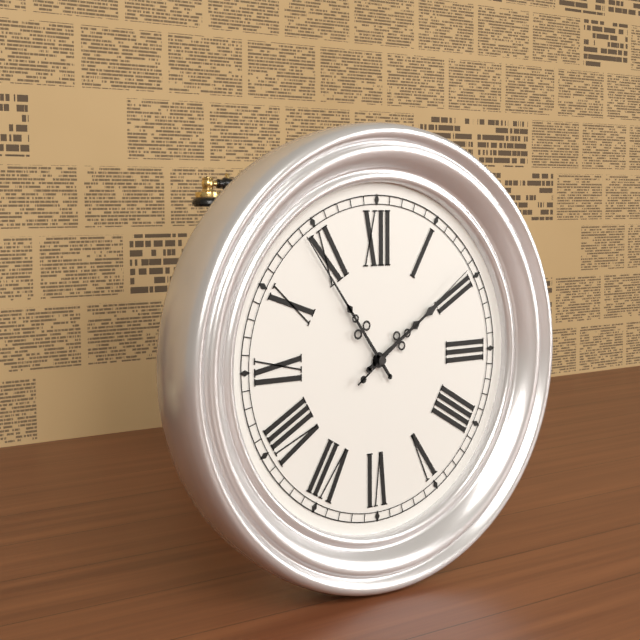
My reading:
{"hour": 1, "minute": 54, "second": 9}
